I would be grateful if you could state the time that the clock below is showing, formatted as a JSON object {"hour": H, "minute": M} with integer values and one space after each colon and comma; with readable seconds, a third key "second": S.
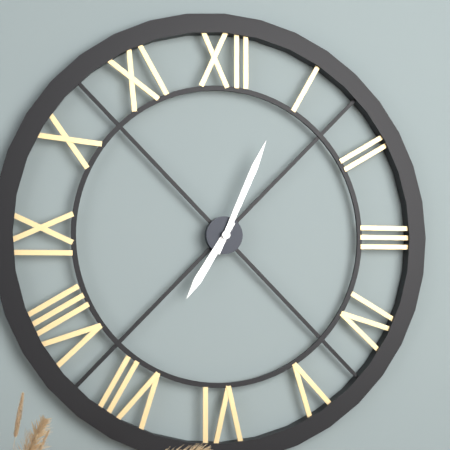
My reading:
{"hour": 7, "minute": 4}
